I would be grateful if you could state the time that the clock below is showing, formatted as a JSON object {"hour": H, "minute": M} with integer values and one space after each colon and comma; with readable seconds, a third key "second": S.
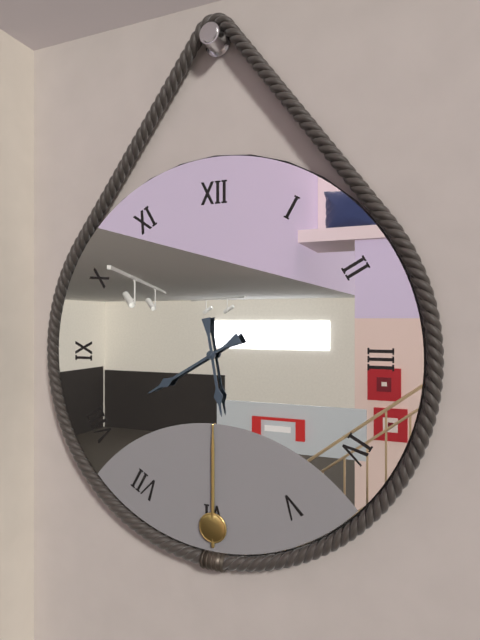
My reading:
{"hour": 5, "minute": 40}
